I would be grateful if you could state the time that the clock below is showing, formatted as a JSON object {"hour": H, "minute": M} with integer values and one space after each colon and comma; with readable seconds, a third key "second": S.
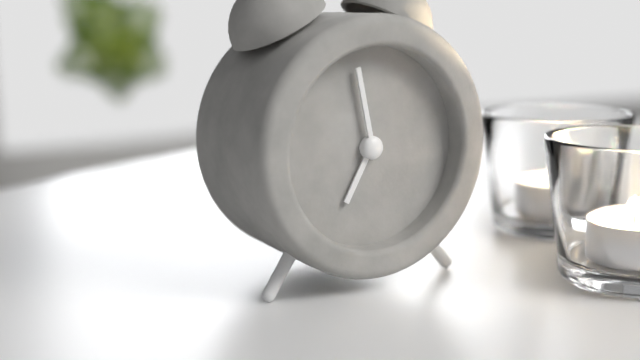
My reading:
{"hour": 6, "minute": 58}
